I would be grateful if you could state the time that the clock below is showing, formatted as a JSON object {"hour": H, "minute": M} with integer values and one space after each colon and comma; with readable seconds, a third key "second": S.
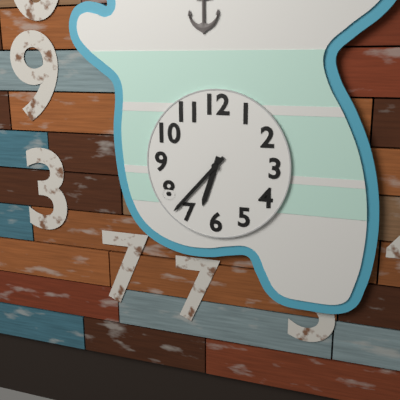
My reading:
{"hour": 6, "minute": 37}
